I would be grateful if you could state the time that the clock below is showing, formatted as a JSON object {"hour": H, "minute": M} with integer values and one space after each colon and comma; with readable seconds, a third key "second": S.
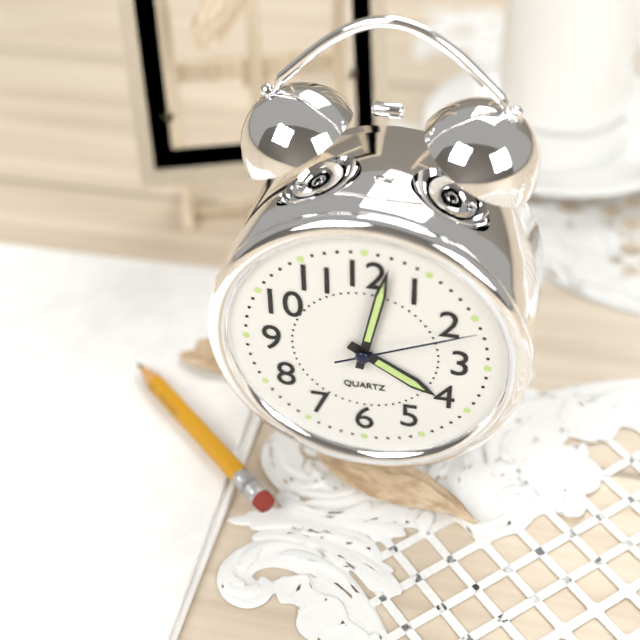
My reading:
{"hour": 4, "minute": 2, "second": 11}
